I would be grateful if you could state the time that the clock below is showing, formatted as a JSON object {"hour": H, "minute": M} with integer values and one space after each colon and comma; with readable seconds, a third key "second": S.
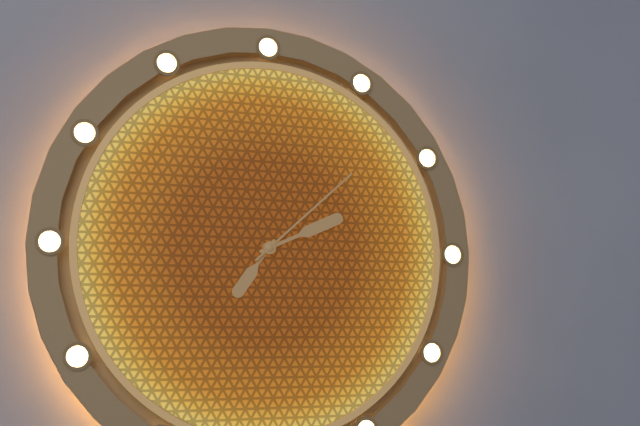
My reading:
{"hour": 7, "minute": 11, "second": 8}
